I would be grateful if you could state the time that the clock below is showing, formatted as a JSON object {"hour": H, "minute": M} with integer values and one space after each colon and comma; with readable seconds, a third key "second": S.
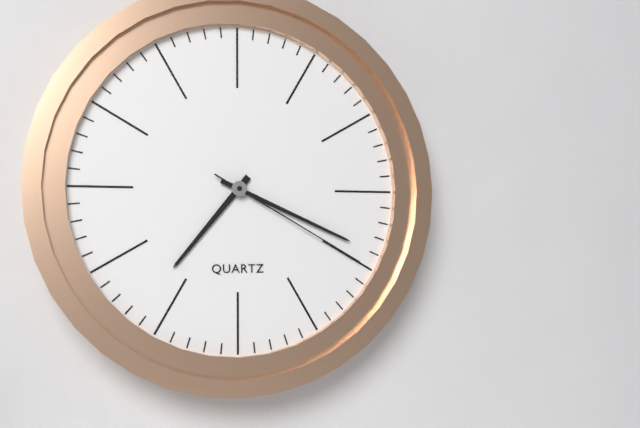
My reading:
{"hour": 7, "minute": 19, "second": 20}
